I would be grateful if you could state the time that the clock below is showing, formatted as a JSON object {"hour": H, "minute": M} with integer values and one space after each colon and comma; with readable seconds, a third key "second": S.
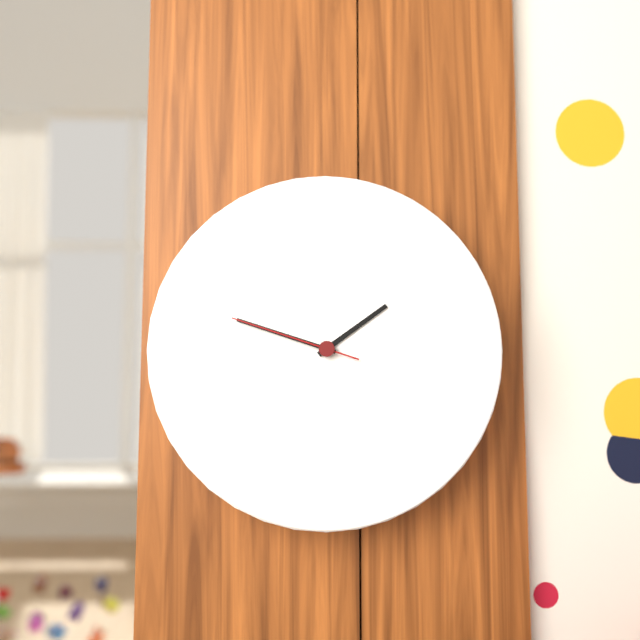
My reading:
{"hour": 1, "minute": 48, "second": 48}
